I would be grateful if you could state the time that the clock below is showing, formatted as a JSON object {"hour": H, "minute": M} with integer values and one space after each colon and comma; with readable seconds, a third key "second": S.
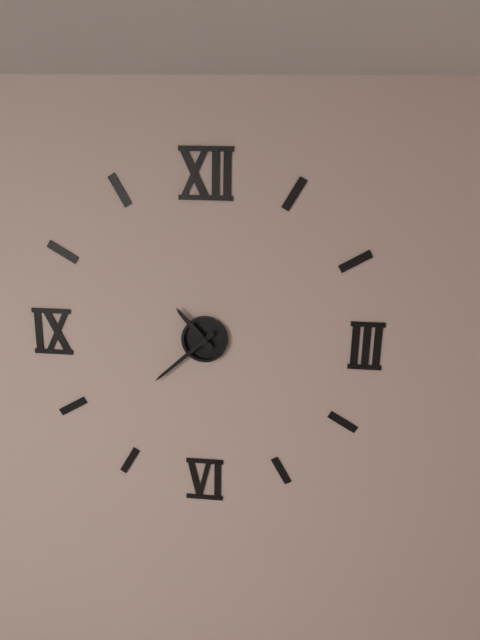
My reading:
{"hour": 10, "minute": 38}
